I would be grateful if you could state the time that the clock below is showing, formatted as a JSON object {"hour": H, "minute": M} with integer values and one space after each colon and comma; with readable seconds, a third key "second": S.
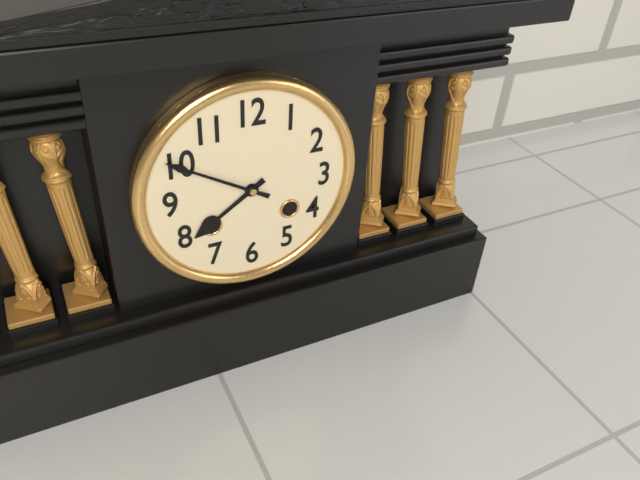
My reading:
{"hour": 7, "minute": 50}
